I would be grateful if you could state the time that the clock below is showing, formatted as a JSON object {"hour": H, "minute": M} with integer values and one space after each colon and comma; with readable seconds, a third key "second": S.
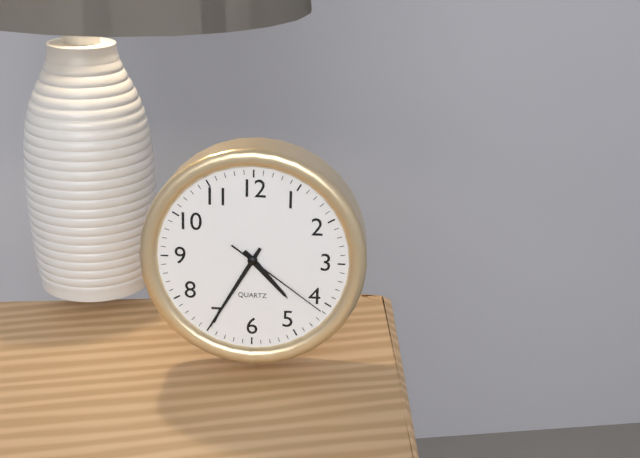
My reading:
{"hour": 4, "minute": 35, "second": 21}
